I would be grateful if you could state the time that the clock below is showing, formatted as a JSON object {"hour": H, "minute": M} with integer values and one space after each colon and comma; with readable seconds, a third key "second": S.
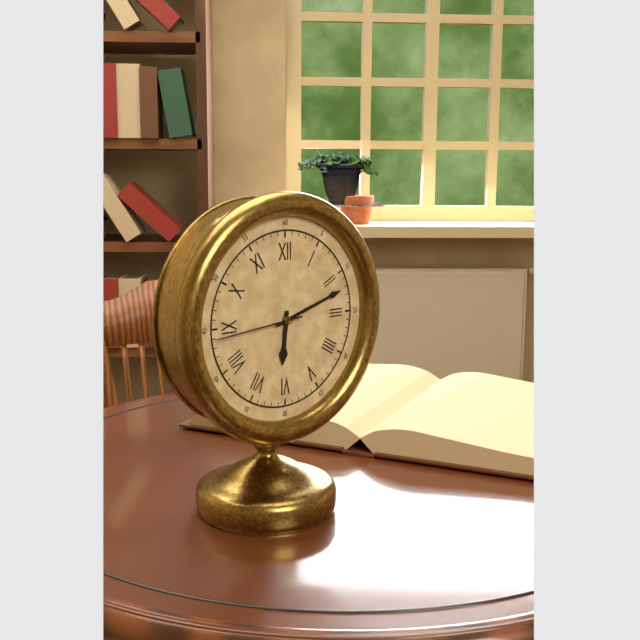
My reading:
{"hour": 6, "minute": 12, "second": 44}
